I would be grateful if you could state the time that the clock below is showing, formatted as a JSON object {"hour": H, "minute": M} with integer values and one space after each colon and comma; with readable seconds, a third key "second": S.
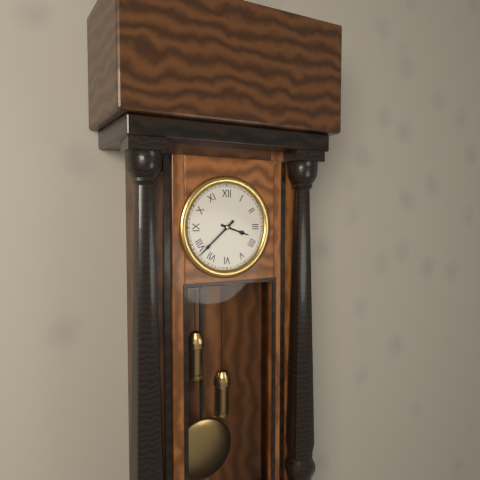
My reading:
{"hour": 3, "minute": 38}
